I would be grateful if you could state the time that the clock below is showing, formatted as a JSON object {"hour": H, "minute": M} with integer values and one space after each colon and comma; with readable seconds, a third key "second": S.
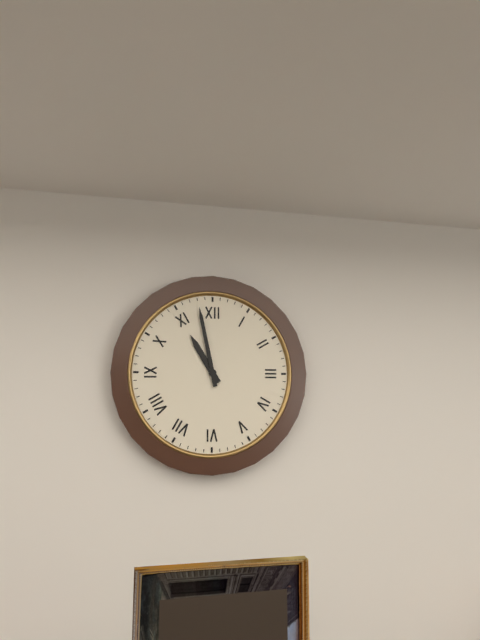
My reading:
{"hour": 10, "minute": 58}
